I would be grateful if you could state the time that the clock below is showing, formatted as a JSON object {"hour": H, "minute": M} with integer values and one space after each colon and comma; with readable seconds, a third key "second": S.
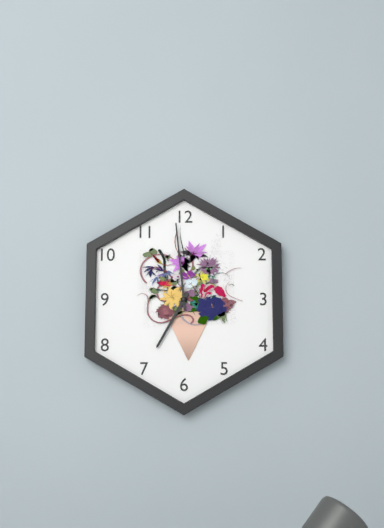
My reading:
{"hour": 6, "minute": 59}
